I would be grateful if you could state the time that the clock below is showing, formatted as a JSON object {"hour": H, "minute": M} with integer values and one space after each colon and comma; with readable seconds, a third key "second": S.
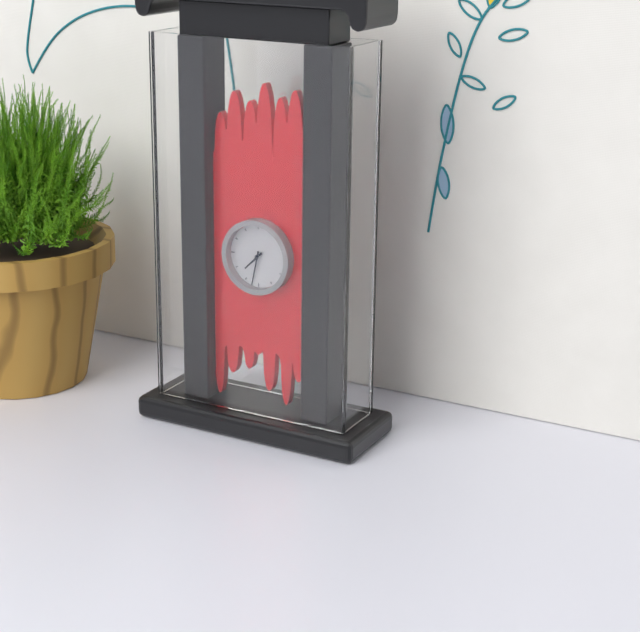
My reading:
{"hour": 7, "minute": 32}
